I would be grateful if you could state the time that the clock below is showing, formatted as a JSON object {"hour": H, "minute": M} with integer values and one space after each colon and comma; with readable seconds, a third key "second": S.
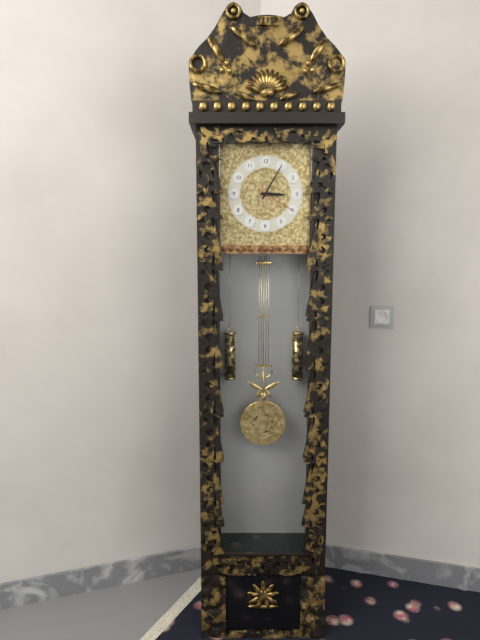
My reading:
{"hour": 3, "minute": 5}
